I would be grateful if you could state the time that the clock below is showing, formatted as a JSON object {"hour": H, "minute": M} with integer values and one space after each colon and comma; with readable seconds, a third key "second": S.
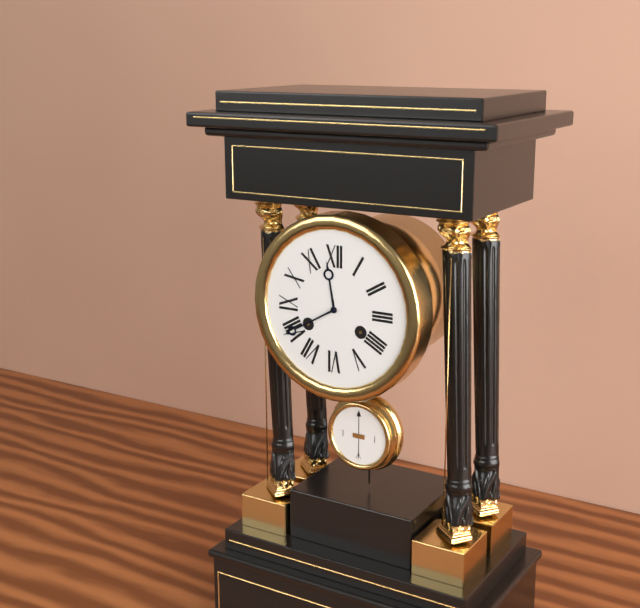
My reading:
{"hour": 11, "minute": 40}
